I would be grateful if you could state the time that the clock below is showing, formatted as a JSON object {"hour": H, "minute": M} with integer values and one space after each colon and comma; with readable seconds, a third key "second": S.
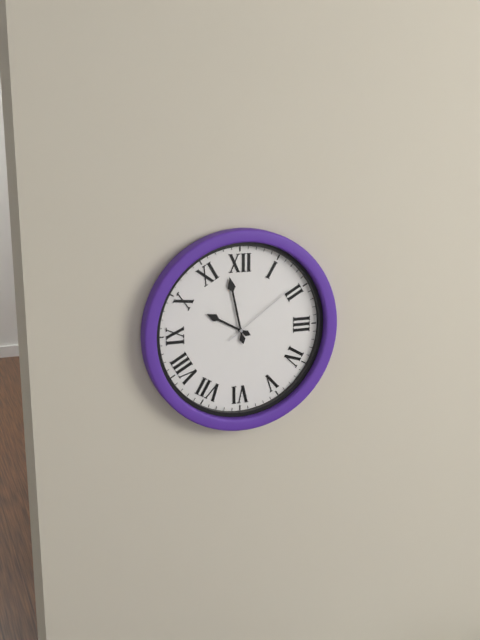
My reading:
{"hour": 9, "minute": 58, "second": 9}
